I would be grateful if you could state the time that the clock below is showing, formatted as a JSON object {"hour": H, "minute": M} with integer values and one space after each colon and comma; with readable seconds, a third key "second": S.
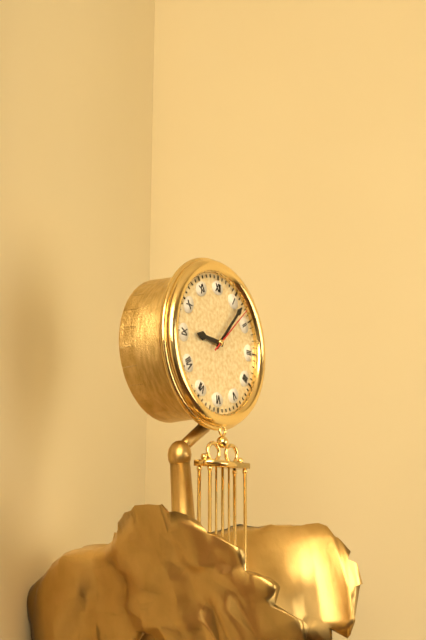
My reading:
{"hour": 9, "minute": 7, "second": 8}
